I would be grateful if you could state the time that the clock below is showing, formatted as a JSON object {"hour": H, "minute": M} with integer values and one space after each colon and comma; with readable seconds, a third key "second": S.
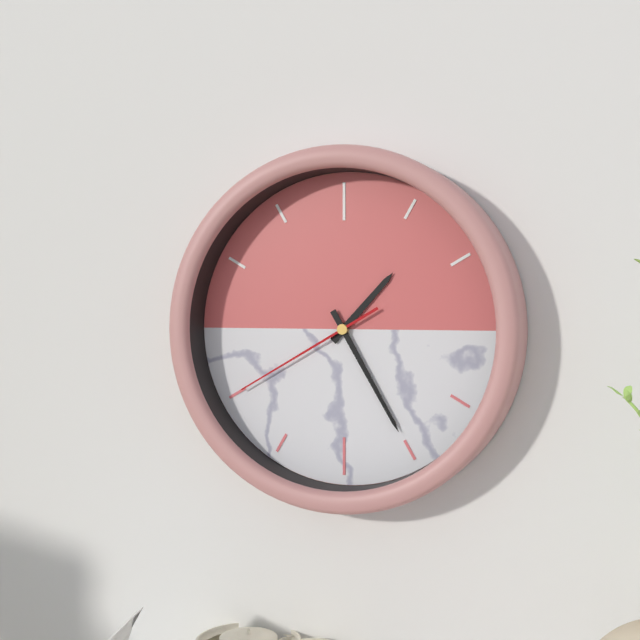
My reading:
{"hour": 1, "minute": 25, "second": 40}
